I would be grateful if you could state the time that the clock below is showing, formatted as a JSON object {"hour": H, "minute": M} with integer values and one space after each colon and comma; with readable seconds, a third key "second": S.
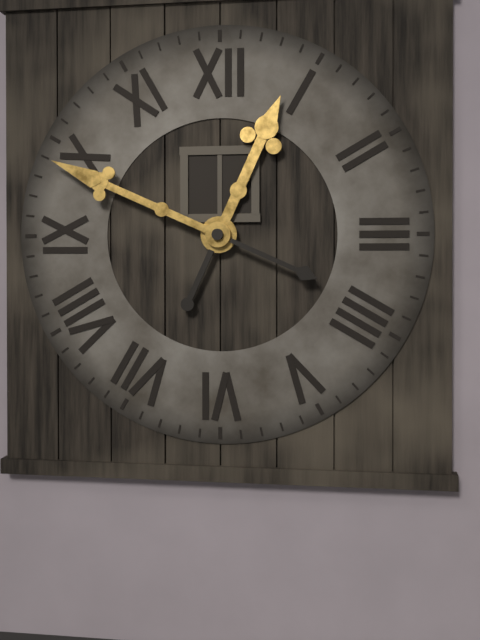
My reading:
{"hour": 12, "minute": 49}
